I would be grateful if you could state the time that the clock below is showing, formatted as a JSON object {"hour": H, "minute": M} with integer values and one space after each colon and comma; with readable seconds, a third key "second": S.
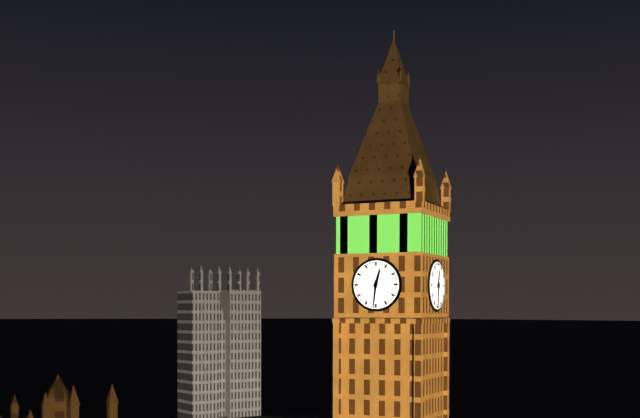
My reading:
{"hour": 12, "minute": 31}
